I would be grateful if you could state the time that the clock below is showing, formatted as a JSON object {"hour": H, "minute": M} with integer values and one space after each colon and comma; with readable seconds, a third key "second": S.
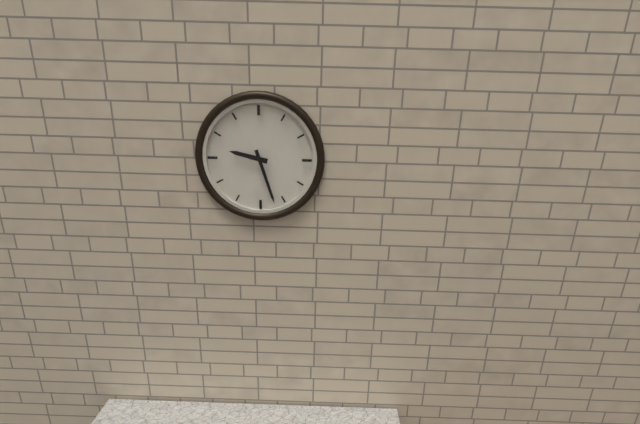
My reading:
{"hour": 9, "minute": 27}
